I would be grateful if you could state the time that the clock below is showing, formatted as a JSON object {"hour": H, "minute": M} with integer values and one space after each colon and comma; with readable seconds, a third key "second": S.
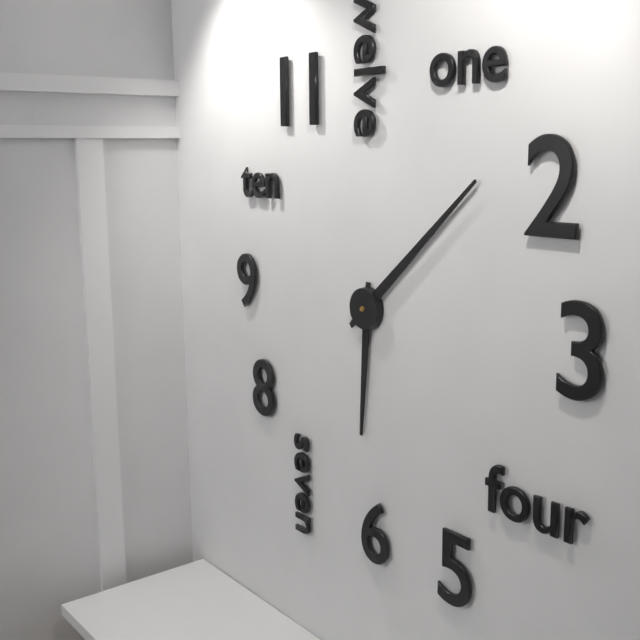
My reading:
{"hour": 6, "minute": 8}
